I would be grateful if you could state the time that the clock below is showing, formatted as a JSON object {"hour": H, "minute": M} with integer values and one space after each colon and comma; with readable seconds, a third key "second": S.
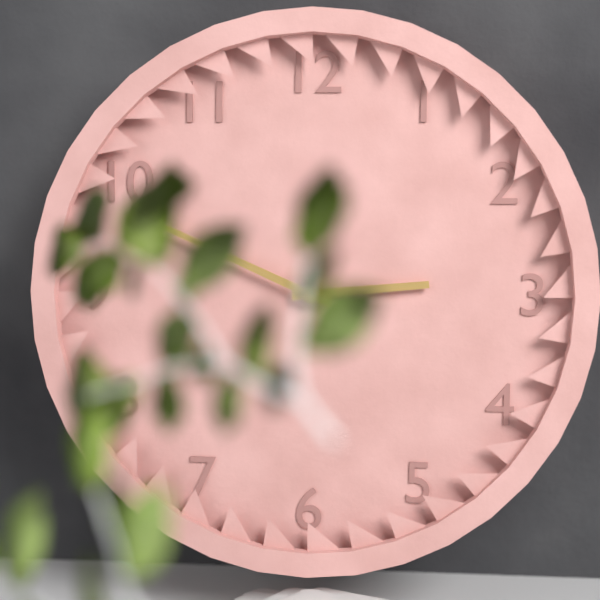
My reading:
{"hour": 2, "minute": 49}
